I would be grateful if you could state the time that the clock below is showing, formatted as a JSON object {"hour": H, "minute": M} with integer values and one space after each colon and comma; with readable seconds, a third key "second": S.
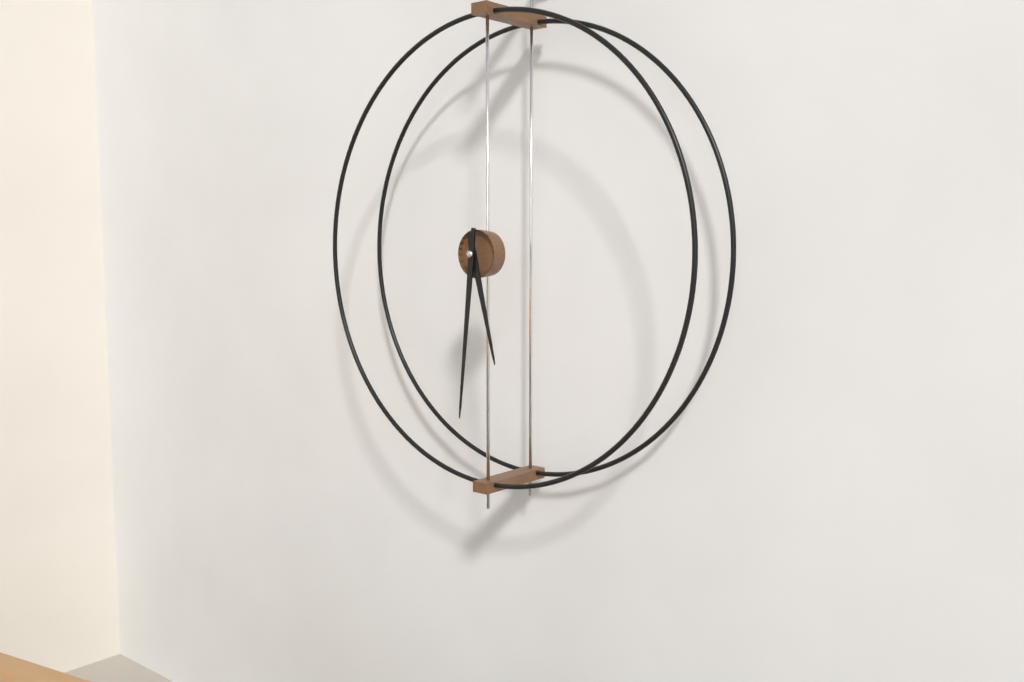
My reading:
{"hour": 5, "minute": 31}
